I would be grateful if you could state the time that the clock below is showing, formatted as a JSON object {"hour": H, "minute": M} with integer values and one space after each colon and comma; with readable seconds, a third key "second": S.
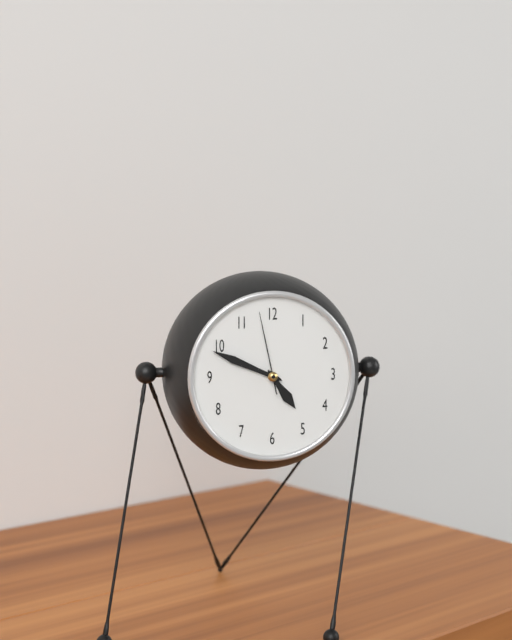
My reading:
{"hour": 4, "minute": 49, "second": 58}
